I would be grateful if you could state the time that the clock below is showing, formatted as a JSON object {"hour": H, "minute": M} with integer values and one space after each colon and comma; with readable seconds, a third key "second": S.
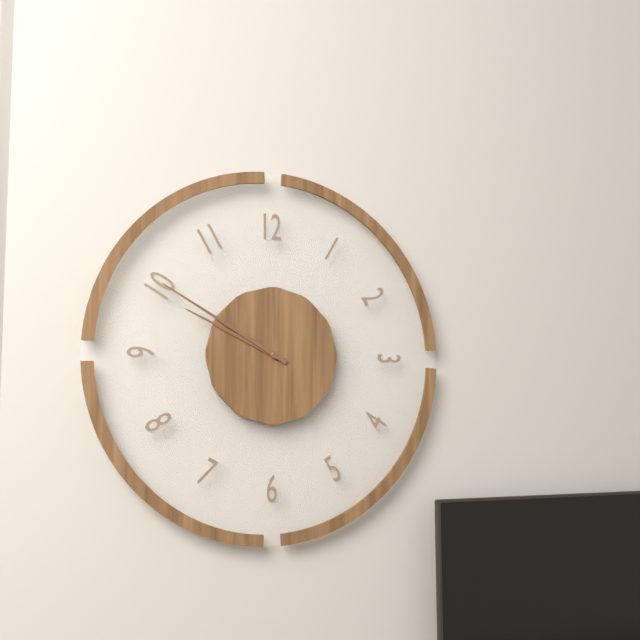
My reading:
{"hour": 9, "minute": 50}
